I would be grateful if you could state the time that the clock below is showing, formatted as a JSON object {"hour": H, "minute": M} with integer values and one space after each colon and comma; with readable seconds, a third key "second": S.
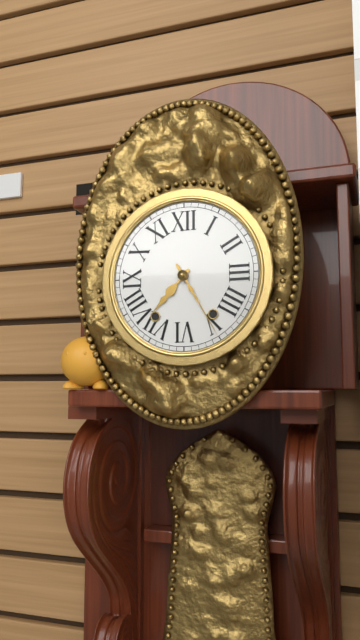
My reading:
{"hour": 7, "minute": 25}
